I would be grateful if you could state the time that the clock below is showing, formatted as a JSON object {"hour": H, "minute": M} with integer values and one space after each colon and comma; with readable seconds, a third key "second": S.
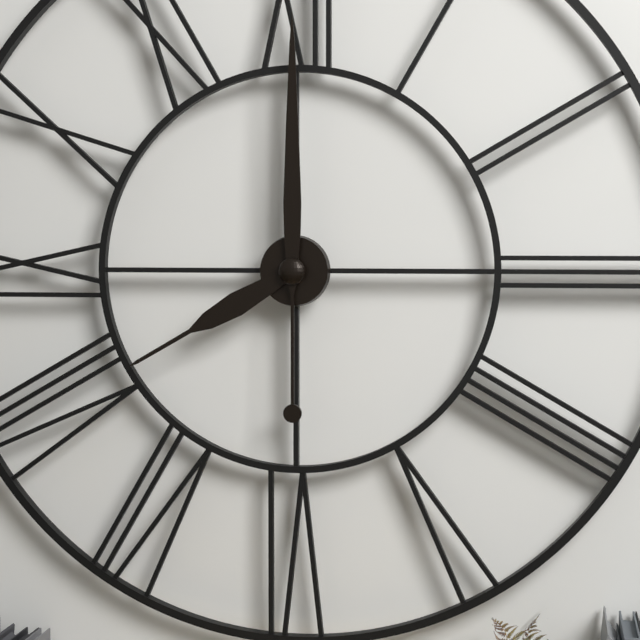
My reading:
{"hour": 8, "minute": 0}
